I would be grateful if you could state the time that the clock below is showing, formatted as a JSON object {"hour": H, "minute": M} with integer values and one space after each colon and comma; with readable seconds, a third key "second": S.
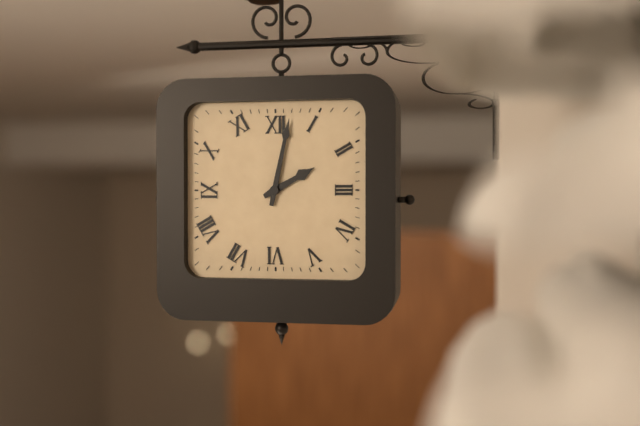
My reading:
{"hour": 2, "minute": 2}
